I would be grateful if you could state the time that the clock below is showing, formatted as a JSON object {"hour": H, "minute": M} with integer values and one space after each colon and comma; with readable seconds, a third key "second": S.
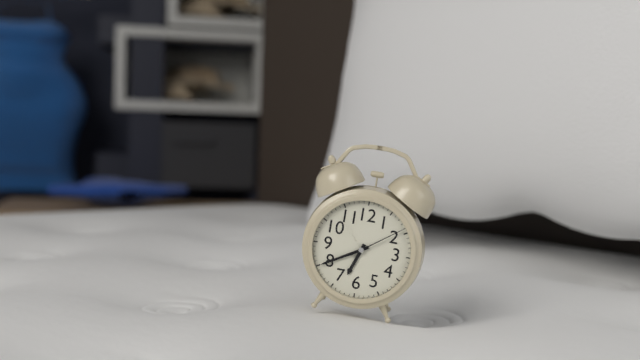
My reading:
{"hour": 6, "minute": 40, "second": 9}
